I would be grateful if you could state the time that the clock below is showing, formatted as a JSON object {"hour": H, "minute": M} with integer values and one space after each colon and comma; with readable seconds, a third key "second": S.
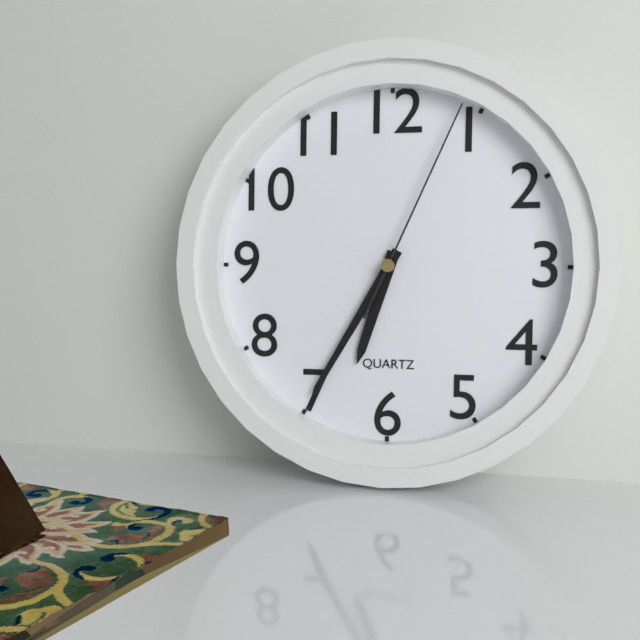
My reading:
{"hour": 6, "minute": 35, "second": 4}
